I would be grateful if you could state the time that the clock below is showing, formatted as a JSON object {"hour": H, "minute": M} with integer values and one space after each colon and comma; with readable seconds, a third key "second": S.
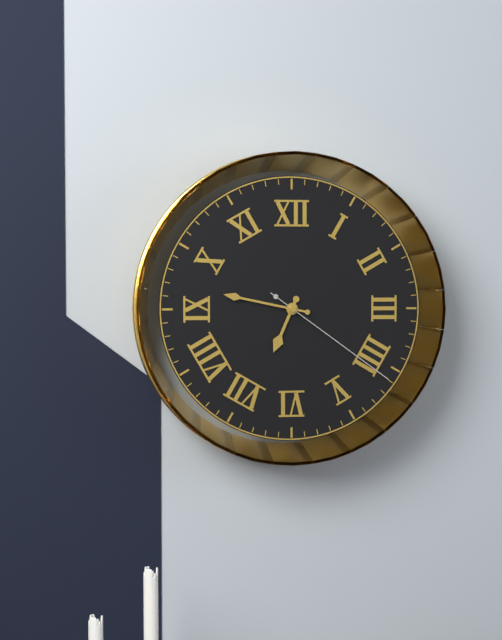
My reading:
{"hour": 6, "minute": 47, "second": 21}
